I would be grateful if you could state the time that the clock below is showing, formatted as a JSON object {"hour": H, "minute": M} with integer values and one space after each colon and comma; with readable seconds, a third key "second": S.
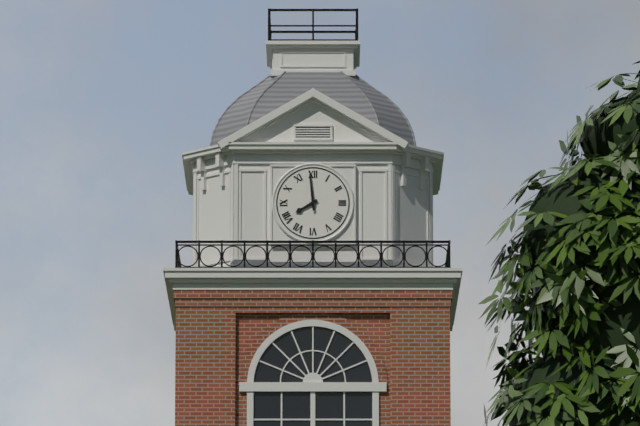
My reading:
{"hour": 7, "minute": 59}
